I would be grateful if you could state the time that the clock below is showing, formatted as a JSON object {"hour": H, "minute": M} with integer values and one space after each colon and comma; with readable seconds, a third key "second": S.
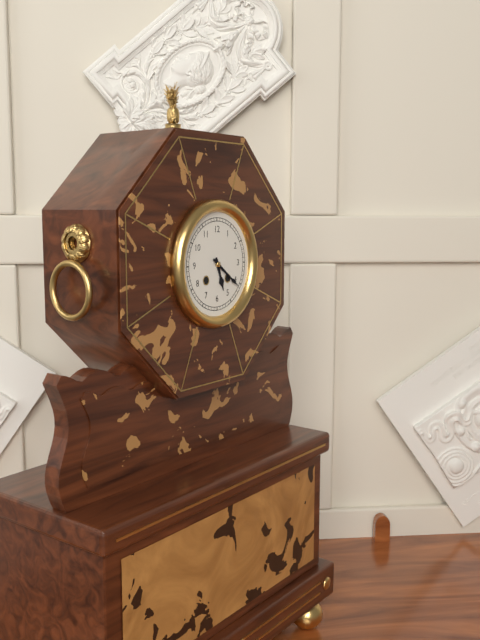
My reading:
{"hour": 5, "minute": 21}
